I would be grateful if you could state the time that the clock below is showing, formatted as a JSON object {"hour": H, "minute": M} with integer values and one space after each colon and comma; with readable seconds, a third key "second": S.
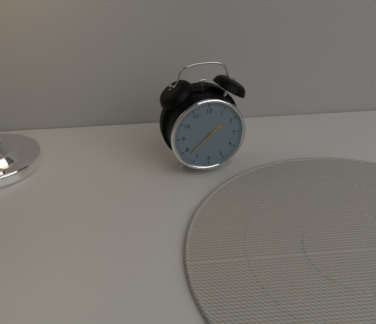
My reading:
{"hour": 1, "minute": 38}
